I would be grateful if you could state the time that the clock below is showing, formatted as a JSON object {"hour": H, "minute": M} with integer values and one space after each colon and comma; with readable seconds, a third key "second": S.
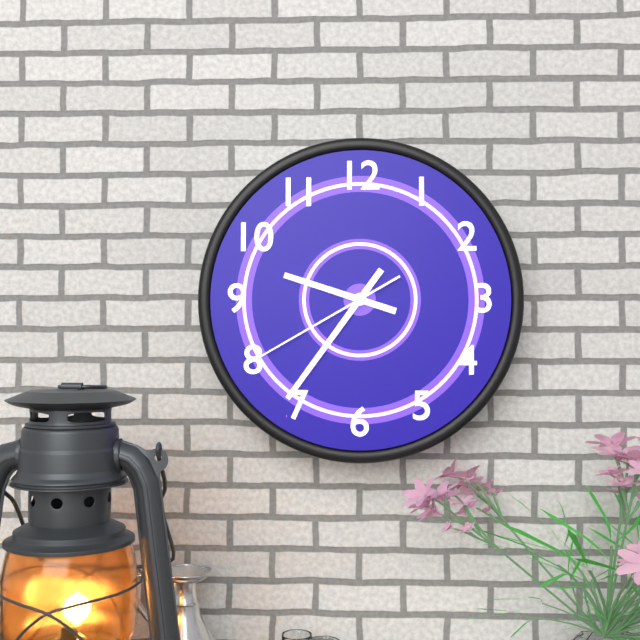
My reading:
{"hour": 9, "minute": 36, "second": 40}
